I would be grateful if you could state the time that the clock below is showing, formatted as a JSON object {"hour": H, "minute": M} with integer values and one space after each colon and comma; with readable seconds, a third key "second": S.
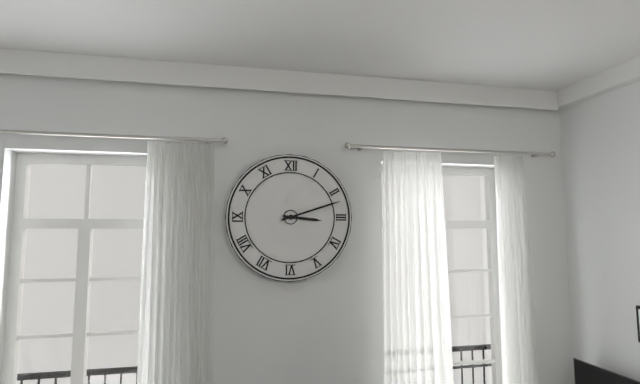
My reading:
{"hour": 3, "minute": 12}
